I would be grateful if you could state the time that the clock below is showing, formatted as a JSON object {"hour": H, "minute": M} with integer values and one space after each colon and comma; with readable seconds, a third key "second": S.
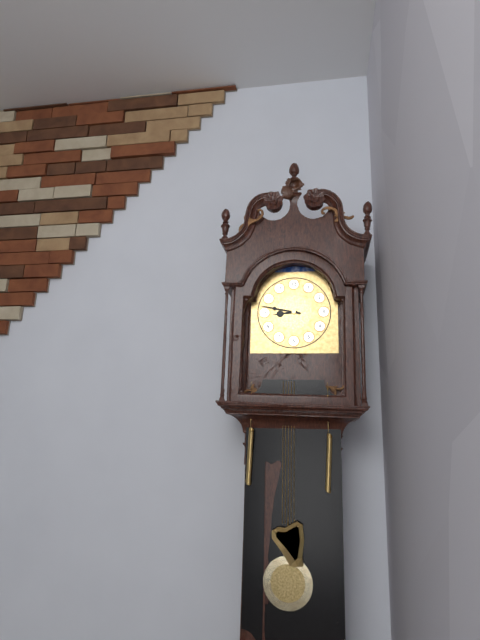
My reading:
{"hour": 8, "minute": 47}
